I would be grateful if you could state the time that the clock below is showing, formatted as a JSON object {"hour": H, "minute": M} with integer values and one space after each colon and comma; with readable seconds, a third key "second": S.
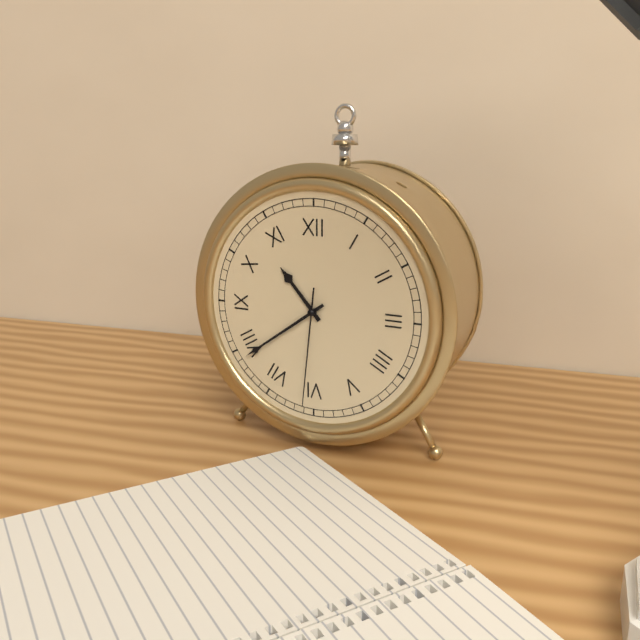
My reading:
{"hour": 10, "minute": 39, "second": 31}
